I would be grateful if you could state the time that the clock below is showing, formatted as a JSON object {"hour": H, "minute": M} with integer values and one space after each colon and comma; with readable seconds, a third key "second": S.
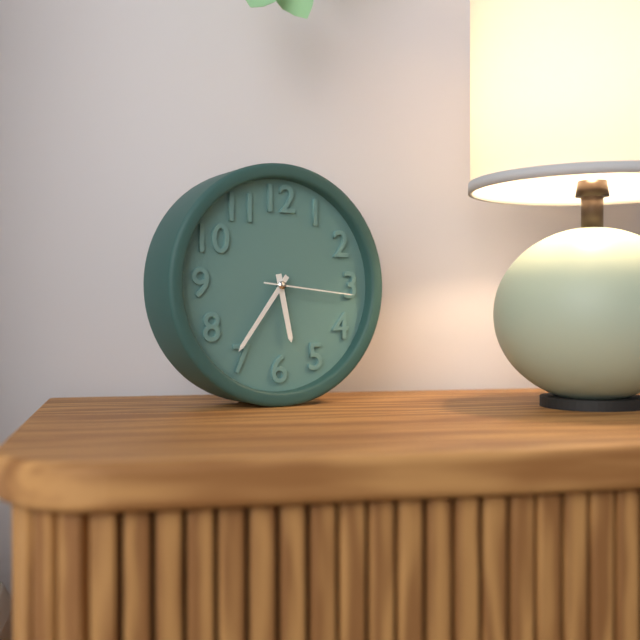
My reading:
{"hour": 5, "minute": 36, "second": 16}
